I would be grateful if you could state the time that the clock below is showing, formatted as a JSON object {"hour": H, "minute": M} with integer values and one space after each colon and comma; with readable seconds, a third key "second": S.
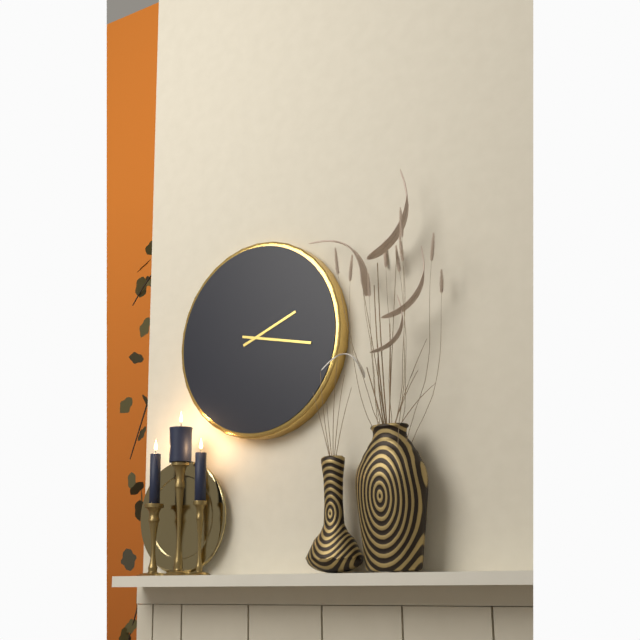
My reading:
{"hour": 2, "minute": 17}
